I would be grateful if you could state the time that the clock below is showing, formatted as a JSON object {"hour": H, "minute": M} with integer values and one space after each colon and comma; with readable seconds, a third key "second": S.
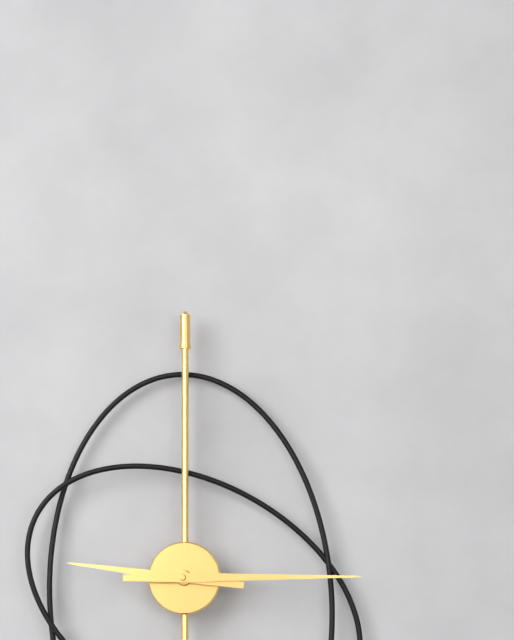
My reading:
{"hour": 9, "minute": 15}
